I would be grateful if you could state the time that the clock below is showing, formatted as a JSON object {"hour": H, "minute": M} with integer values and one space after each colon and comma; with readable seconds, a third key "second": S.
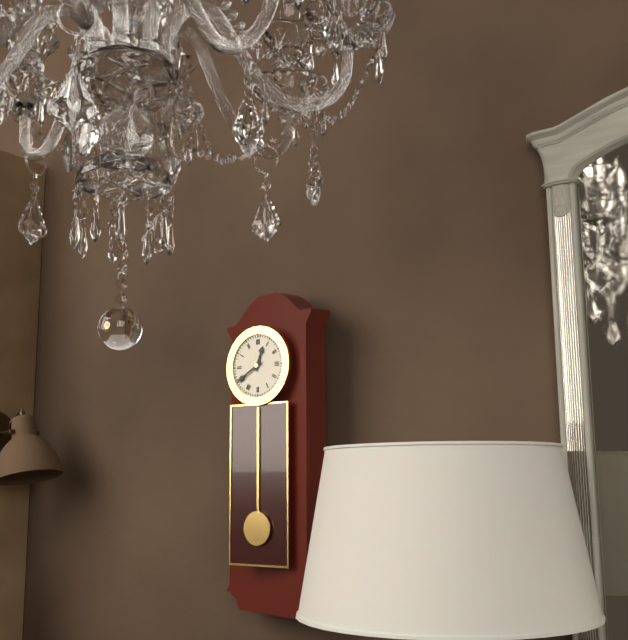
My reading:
{"hour": 12, "minute": 40}
